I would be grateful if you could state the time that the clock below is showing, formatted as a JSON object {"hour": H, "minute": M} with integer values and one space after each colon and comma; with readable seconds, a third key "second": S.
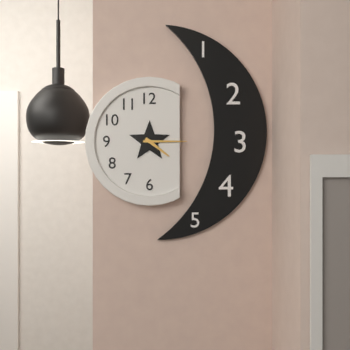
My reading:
{"hour": 4, "minute": 15}
